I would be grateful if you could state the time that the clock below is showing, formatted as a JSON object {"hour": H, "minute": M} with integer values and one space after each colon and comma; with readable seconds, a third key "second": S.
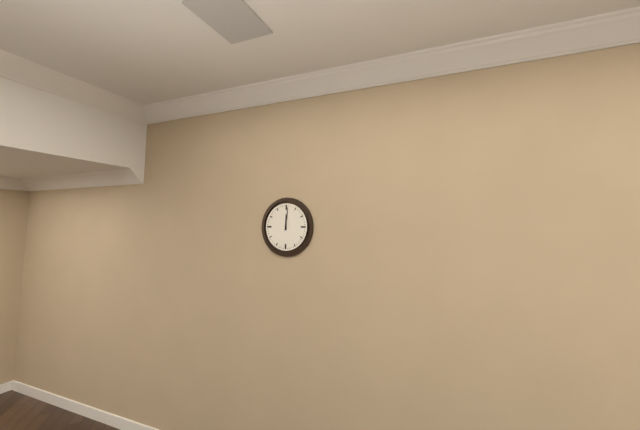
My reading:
{"hour": 12, "minute": 1}
